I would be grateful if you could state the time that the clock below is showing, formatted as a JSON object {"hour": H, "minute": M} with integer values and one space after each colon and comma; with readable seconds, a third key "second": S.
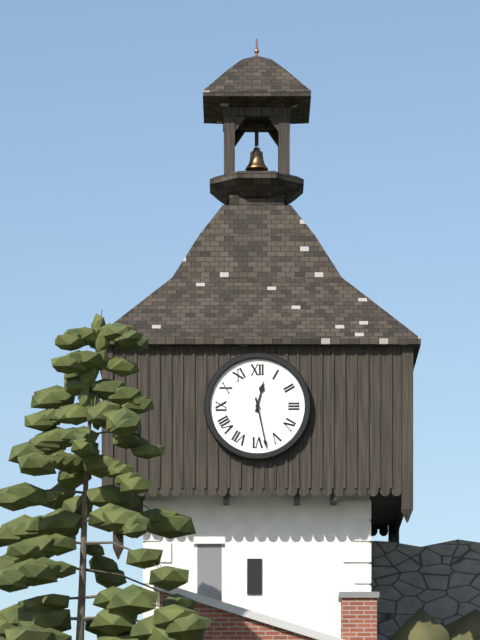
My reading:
{"hour": 12, "minute": 28}
